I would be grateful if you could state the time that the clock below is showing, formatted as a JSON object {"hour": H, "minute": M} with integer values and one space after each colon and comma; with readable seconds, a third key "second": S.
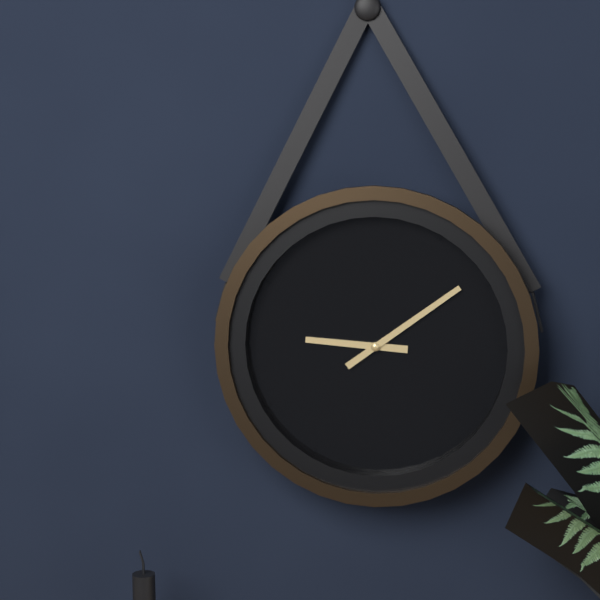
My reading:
{"hour": 9, "minute": 9}
